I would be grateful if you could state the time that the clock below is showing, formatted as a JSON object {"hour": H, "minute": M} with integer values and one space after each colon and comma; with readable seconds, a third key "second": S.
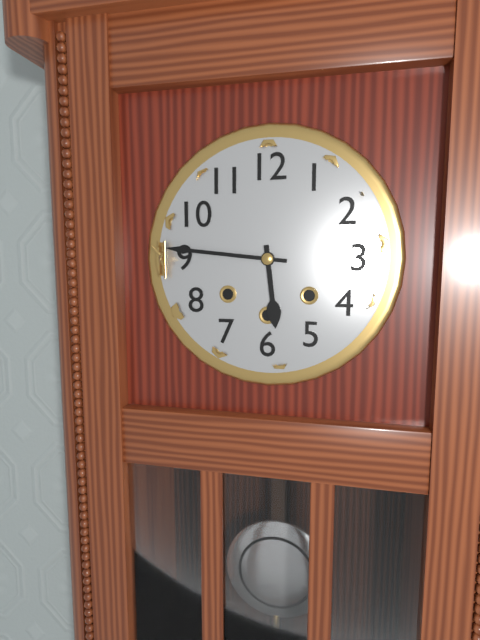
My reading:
{"hour": 5, "minute": 46}
